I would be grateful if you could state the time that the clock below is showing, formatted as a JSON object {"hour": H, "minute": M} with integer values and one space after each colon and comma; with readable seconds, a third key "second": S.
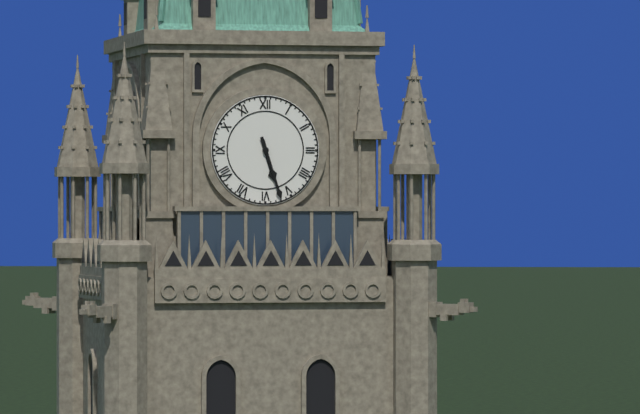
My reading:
{"hour": 5, "minute": 27}
